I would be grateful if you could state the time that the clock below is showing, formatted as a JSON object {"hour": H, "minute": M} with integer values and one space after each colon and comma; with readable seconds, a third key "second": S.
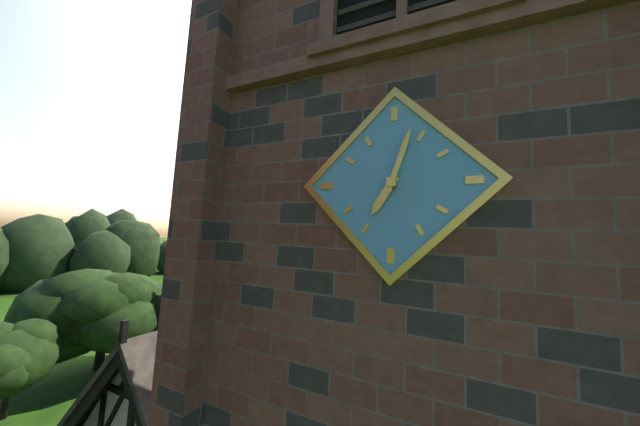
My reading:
{"hour": 7, "minute": 3}
